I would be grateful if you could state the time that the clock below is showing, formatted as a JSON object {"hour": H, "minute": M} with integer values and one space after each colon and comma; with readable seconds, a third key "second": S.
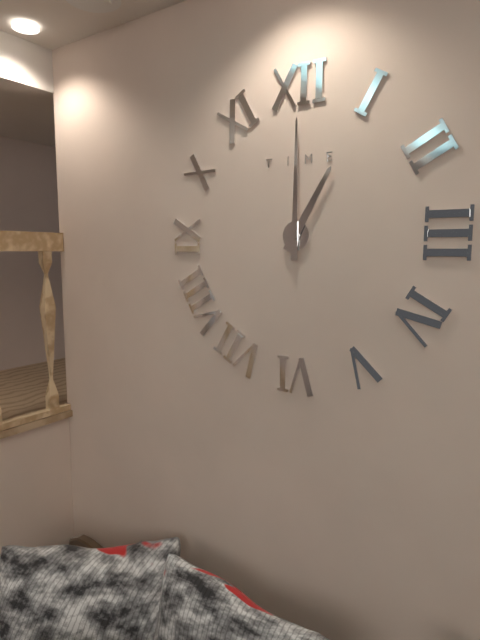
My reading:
{"hour": 1, "minute": 0}
